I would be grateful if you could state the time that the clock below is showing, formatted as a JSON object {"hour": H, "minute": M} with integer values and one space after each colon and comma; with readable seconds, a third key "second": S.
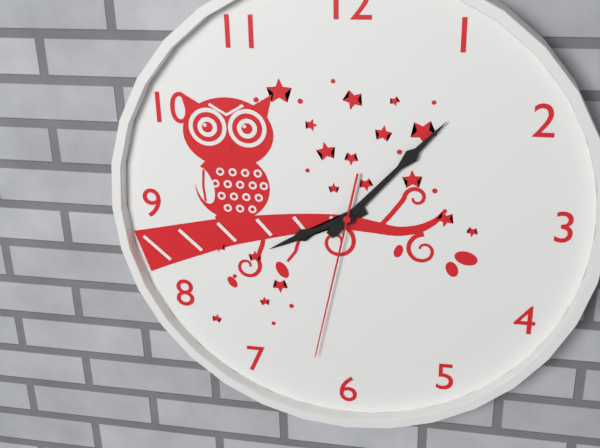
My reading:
{"hour": 8, "minute": 7, "second": 32}
